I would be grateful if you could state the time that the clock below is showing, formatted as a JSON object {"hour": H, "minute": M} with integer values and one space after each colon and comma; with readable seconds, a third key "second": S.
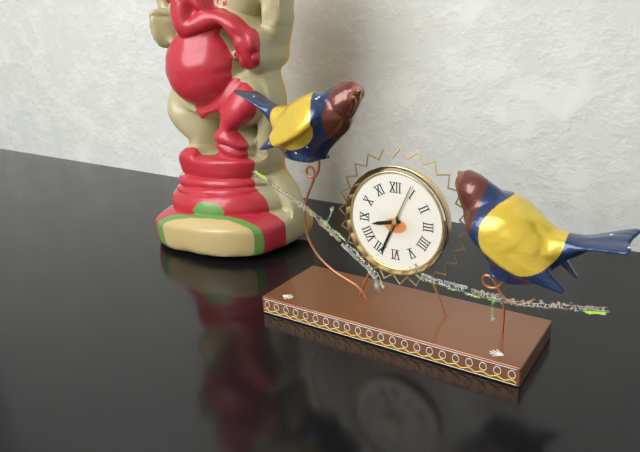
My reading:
{"hour": 8, "minute": 34}
